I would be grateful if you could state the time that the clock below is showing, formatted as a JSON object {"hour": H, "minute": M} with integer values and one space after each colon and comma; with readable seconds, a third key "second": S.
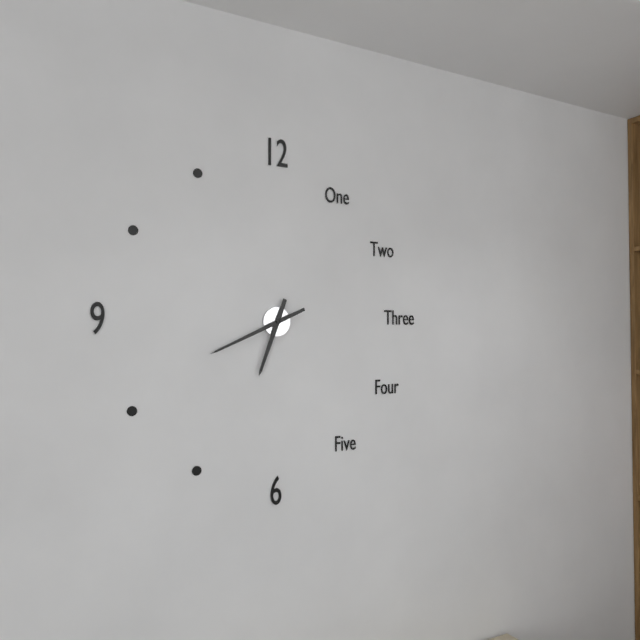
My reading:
{"hour": 6, "minute": 41}
